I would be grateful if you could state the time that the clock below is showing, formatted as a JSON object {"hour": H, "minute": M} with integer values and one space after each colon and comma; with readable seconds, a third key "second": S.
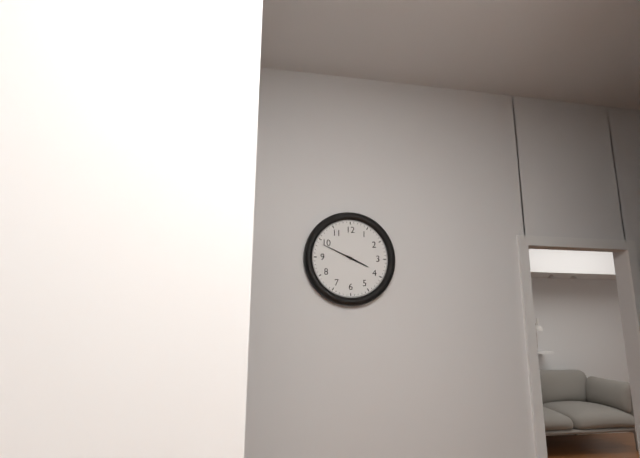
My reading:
{"hour": 3, "minute": 49}
